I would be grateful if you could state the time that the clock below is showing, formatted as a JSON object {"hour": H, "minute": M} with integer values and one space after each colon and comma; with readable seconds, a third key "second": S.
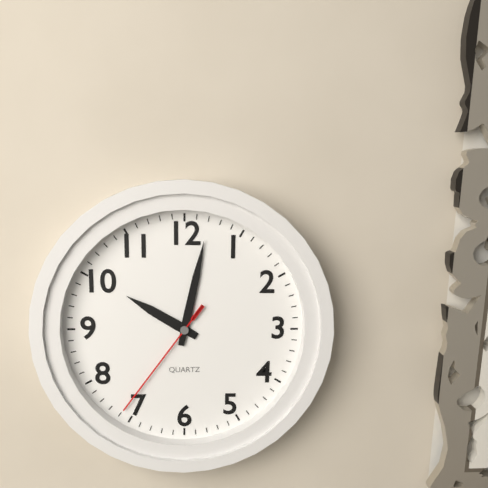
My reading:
{"hour": 10, "minute": 2, "second": 36}
